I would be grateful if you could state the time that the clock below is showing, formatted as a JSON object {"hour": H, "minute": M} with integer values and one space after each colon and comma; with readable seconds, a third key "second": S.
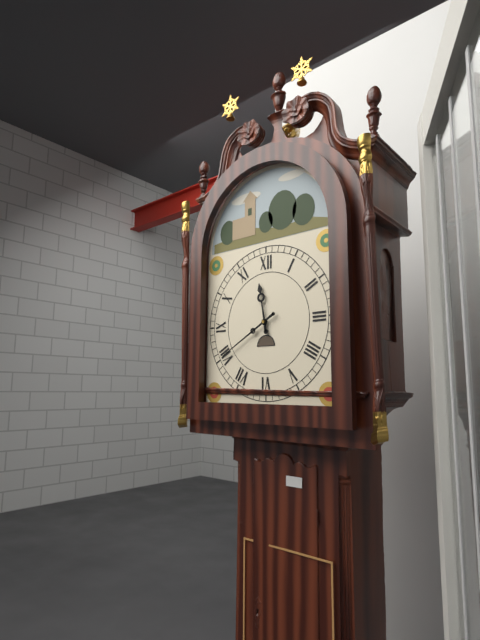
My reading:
{"hour": 11, "minute": 40}
